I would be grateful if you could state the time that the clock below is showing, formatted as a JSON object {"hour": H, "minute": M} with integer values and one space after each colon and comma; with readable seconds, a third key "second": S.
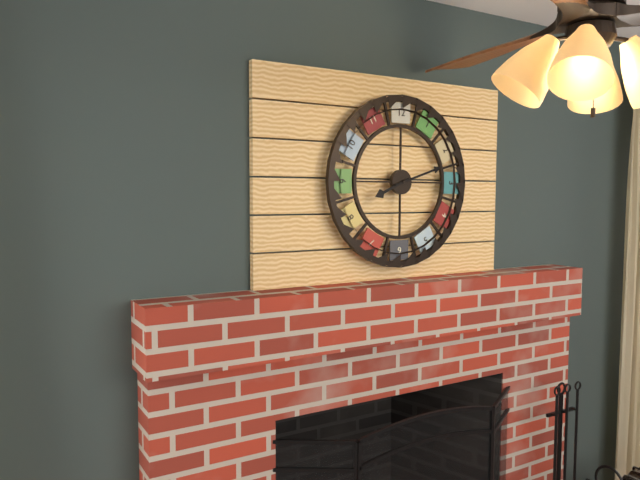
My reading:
{"hour": 8, "minute": 12}
